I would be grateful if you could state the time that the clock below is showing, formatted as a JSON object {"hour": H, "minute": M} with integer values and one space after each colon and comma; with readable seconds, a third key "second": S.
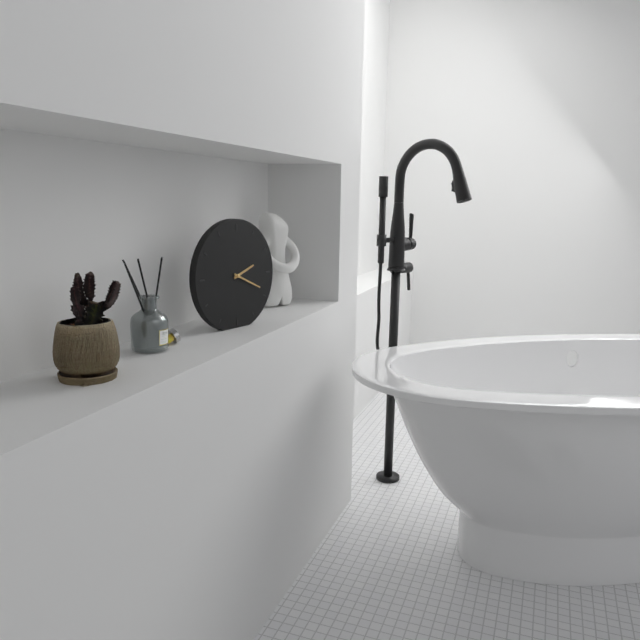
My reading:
{"hour": 2, "minute": 19}
